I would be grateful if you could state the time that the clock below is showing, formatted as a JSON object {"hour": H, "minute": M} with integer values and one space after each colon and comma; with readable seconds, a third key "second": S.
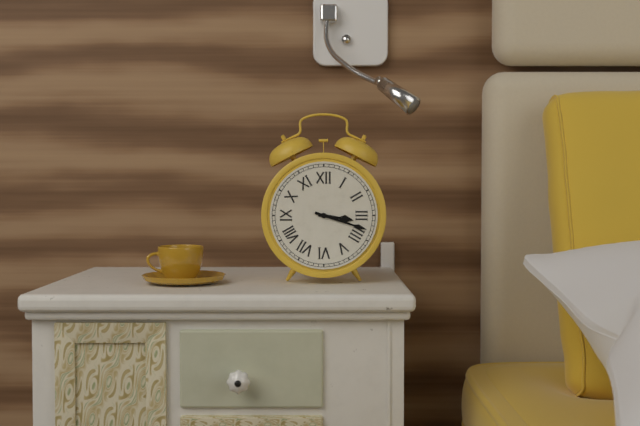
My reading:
{"hour": 3, "minute": 18}
